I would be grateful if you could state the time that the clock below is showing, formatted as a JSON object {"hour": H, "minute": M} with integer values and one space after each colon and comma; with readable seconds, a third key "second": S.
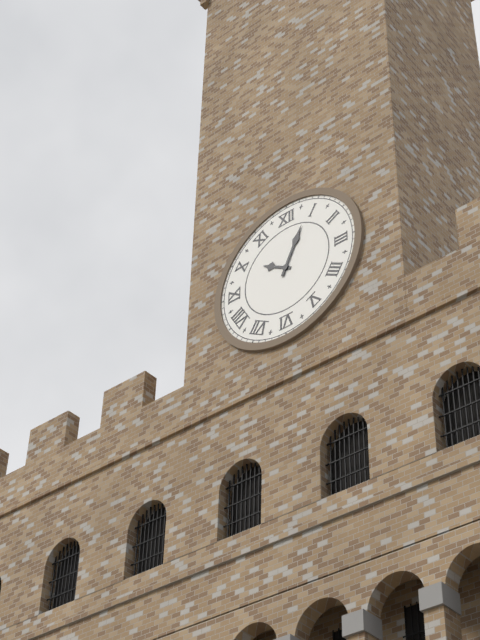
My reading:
{"hour": 10, "minute": 4}
